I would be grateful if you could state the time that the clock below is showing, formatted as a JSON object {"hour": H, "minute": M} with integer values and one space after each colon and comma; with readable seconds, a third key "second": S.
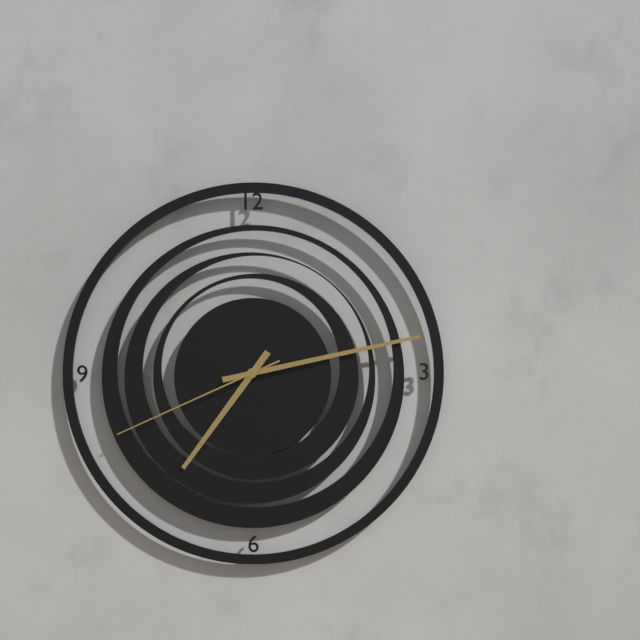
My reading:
{"hour": 7, "minute": 13, "second": 41}
